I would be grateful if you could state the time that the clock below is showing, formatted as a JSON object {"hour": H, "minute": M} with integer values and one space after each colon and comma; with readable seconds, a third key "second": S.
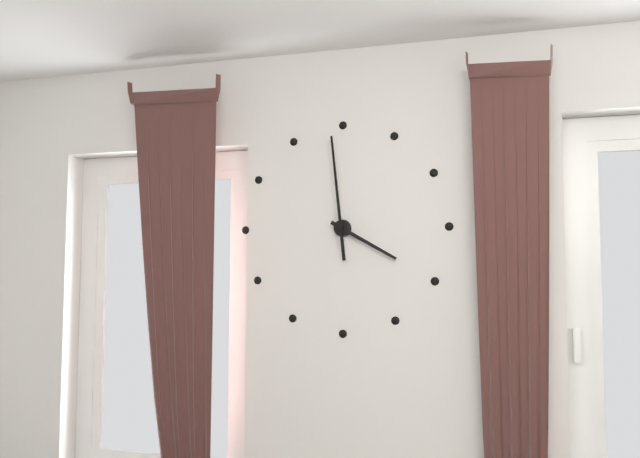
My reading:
{"hour": 3, "minute": 59}
